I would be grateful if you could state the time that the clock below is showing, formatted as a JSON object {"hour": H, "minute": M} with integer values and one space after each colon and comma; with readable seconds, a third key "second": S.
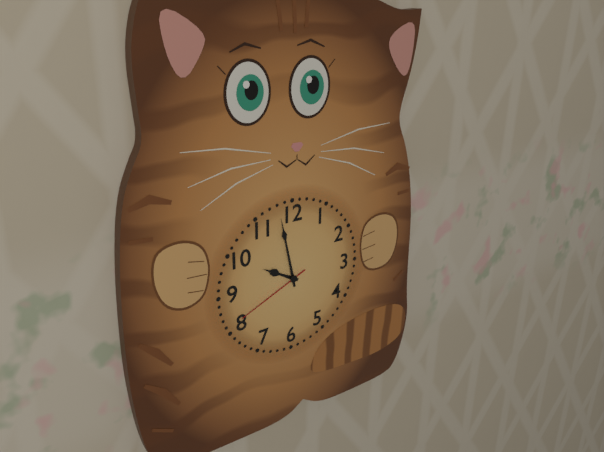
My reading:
{"hour": 9, "minute": 58, "second": 41}
